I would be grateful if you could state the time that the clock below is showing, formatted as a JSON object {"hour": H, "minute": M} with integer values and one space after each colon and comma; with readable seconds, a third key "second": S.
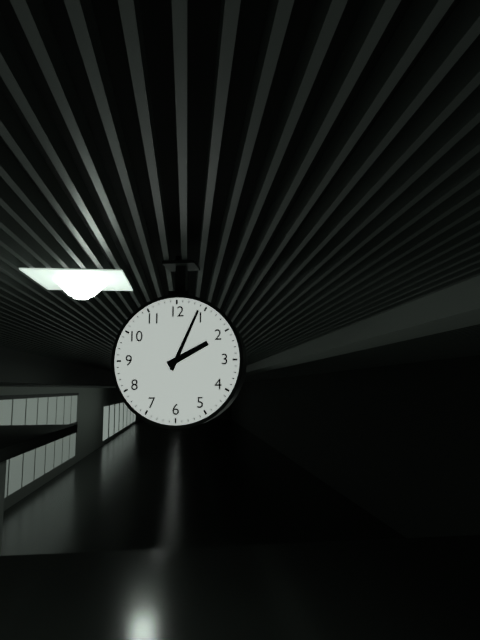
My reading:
{"hour": 2, "minute": 4}
